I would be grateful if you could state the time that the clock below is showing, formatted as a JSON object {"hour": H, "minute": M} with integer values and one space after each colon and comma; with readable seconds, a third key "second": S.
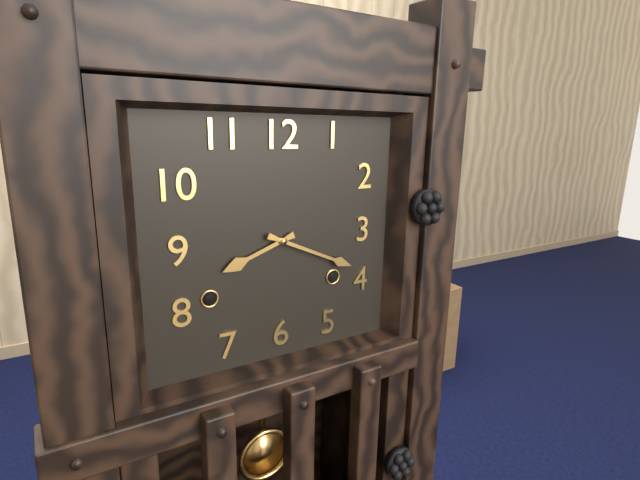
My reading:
{"hour": 8, "minute": 19}
